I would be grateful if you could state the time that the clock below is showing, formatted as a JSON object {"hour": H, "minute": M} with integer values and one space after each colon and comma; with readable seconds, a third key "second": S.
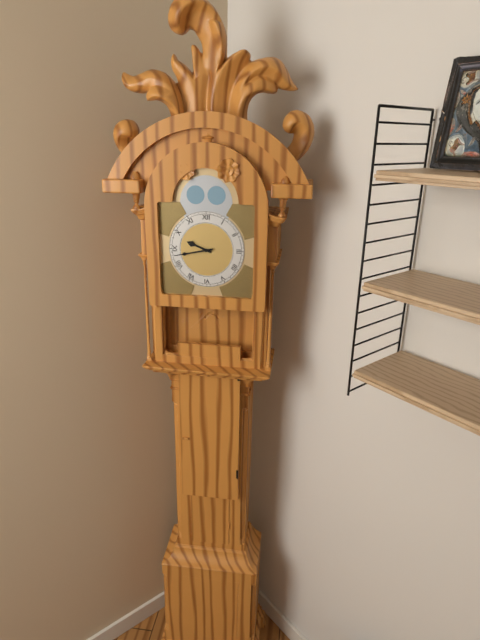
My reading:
{"hour": 9, "minute": 43}
